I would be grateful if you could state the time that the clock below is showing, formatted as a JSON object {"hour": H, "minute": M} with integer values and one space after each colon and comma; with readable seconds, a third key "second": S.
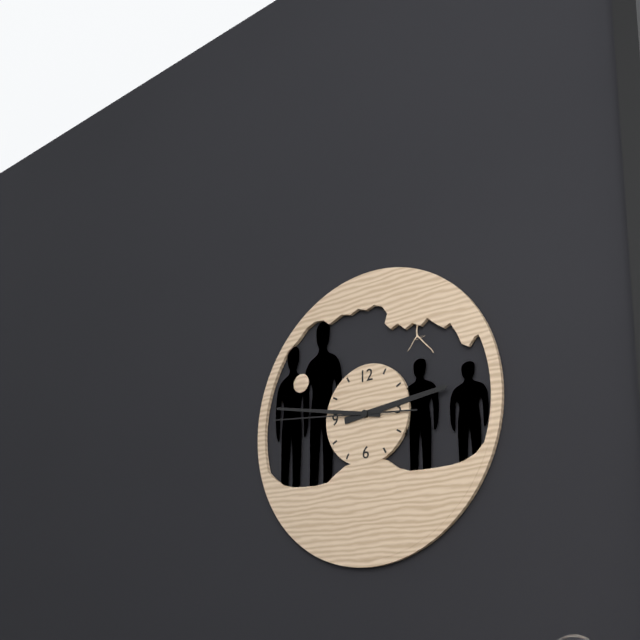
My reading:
{"hour": 2, "minute": 47, "second": 46}
